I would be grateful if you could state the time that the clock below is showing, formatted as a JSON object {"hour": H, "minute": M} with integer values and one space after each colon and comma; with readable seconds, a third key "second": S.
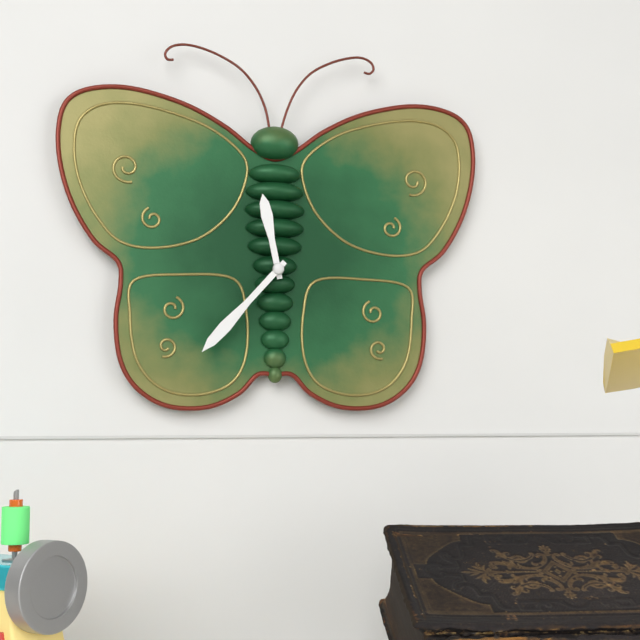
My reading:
{"hour": 11, "minute": 37}
